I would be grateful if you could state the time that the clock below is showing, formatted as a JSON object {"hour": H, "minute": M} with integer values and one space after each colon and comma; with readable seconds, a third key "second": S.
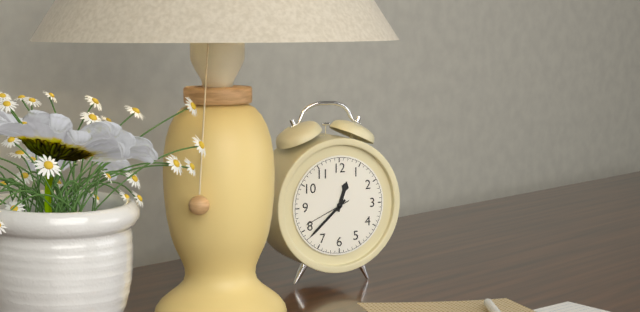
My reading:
{"hour": 12, "minute": 38}
